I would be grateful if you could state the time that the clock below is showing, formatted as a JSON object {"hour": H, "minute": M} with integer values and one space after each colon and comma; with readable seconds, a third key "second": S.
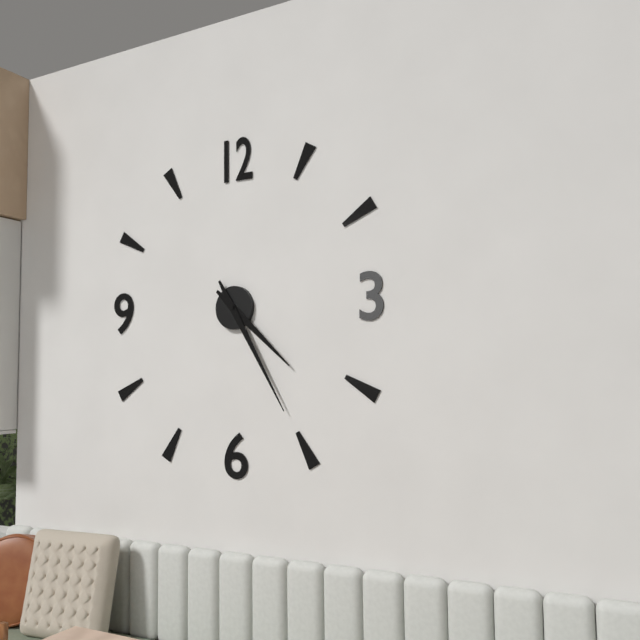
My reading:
{"hour": 4, "minute": 25}
